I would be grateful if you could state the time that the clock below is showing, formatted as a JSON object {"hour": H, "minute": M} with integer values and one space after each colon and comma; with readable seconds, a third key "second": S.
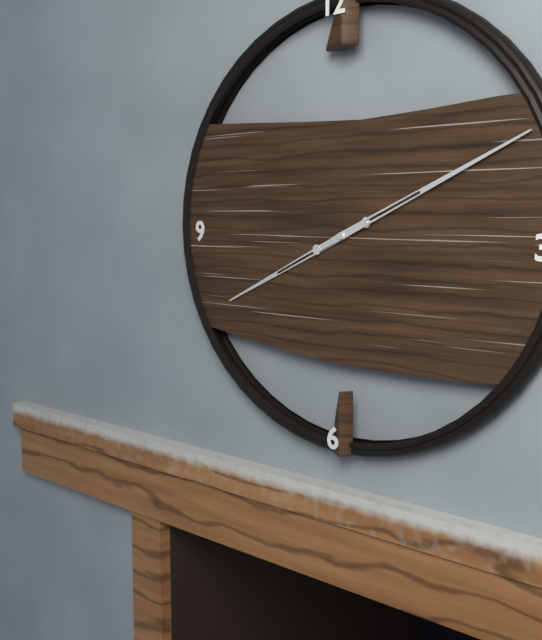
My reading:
{"hour": 8, "minute": 11}
